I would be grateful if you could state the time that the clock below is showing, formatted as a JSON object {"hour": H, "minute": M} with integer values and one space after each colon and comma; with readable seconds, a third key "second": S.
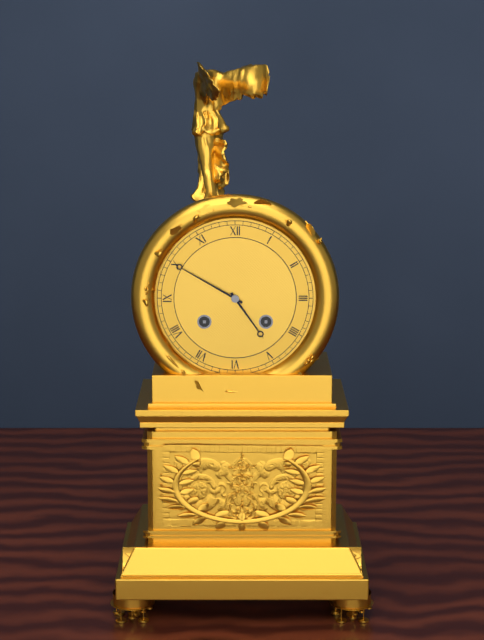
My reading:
{"hour": 4, "minute": 50}
